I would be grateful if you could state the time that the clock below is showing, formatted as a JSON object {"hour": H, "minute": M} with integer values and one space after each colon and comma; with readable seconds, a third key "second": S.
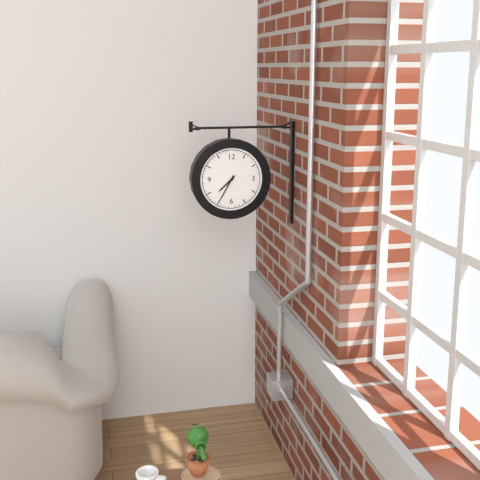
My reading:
{"hour": 7, "minute": 35}
